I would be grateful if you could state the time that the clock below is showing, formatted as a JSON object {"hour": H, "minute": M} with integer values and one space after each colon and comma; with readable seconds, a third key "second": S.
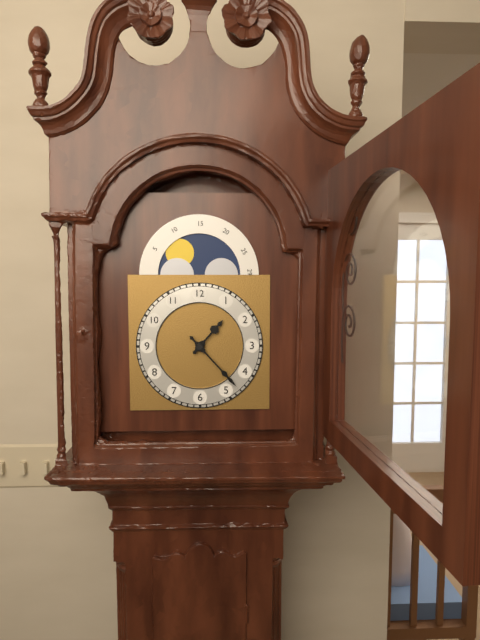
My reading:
{"hour": 1, "minute": 23}
